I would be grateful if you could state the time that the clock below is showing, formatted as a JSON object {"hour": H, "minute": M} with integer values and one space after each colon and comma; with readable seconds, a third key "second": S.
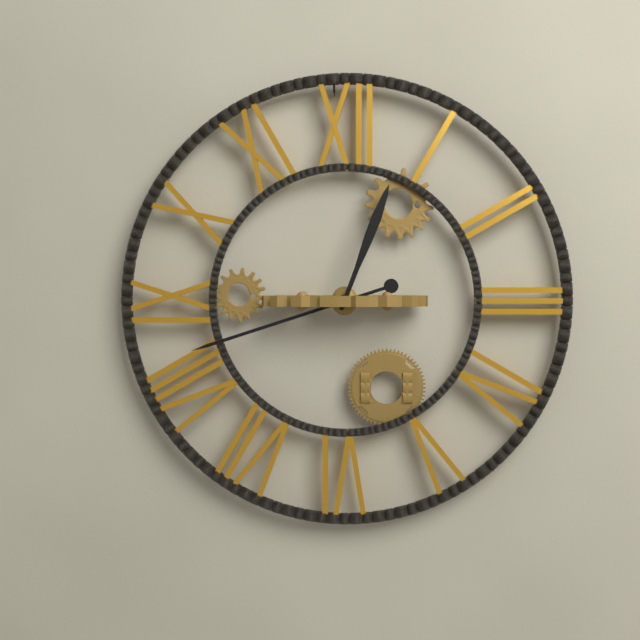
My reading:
{"hour": 12, "minute": 42}
